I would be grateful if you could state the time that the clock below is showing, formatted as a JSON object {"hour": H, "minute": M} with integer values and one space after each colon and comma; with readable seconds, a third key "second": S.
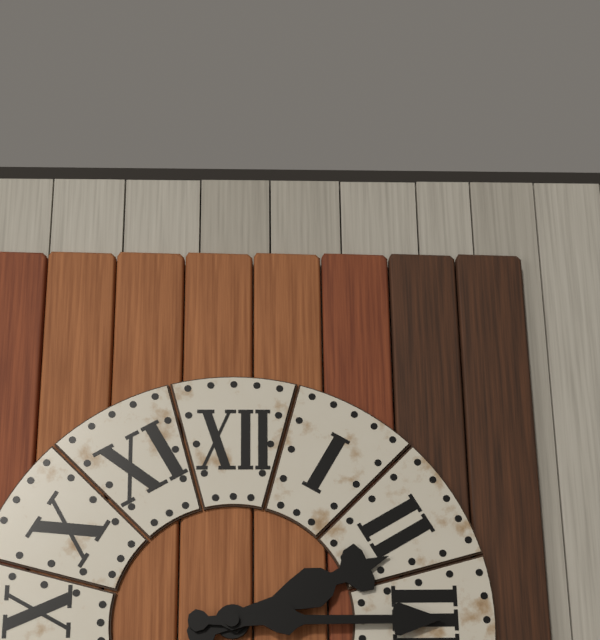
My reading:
{"hour": 2, "minute": 15}
